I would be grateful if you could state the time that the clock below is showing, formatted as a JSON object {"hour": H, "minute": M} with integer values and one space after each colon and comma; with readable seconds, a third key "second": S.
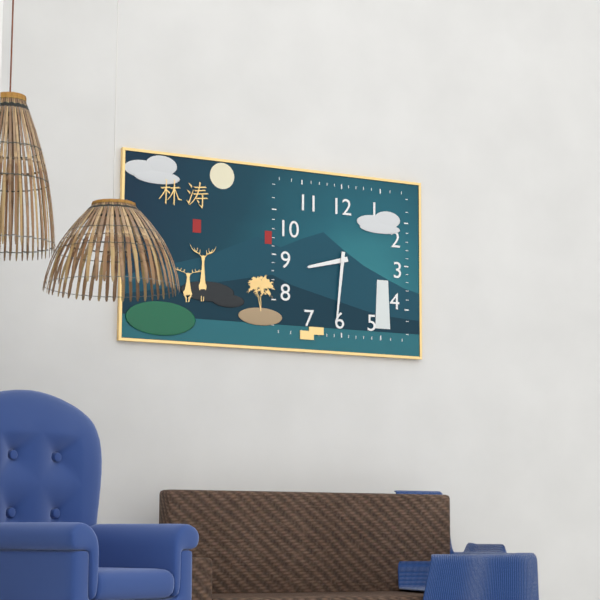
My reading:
{"hour": 8, "minute": 31}
